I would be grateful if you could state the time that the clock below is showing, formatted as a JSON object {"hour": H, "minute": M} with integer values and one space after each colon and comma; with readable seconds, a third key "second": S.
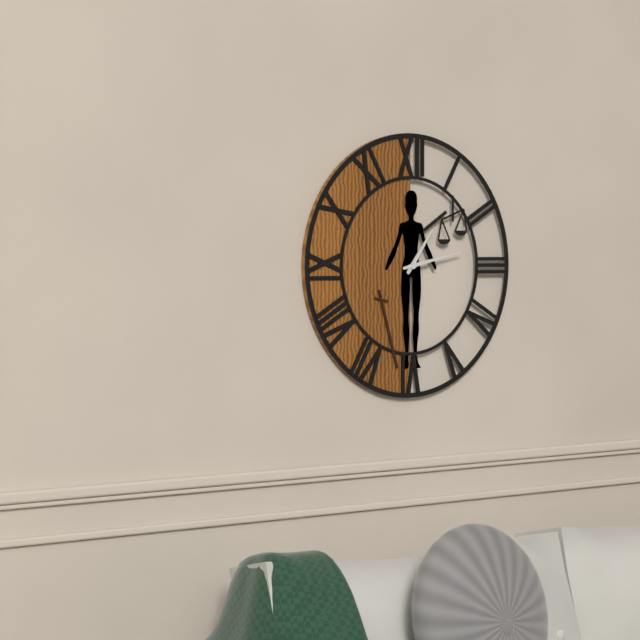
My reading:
{"hour": 1, "minute": 13}
